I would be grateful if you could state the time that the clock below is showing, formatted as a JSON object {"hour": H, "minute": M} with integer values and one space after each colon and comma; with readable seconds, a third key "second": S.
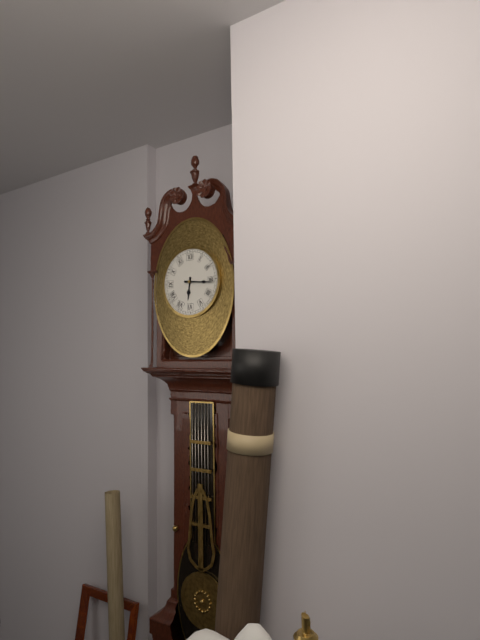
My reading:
{"hour": 6, "minute": 16}
